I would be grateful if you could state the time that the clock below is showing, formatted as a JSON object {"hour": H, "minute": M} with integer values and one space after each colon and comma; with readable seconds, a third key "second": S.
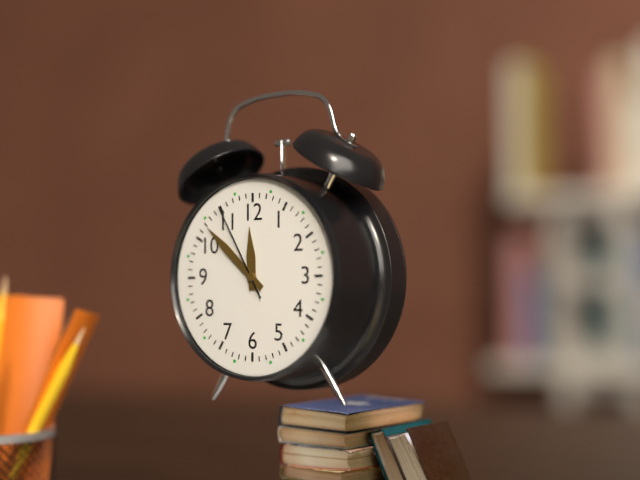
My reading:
{"hour": 11, "minute": 52, "second": 55}
